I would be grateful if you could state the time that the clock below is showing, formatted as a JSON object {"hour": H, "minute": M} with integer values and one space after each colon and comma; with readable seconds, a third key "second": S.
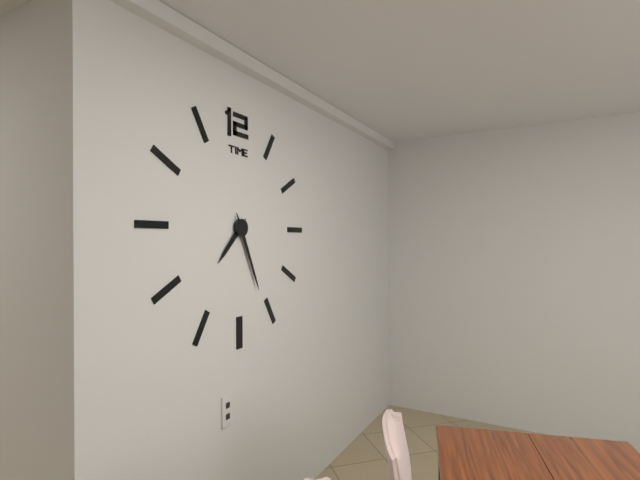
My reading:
{"hour": 7, "minute": 26}
